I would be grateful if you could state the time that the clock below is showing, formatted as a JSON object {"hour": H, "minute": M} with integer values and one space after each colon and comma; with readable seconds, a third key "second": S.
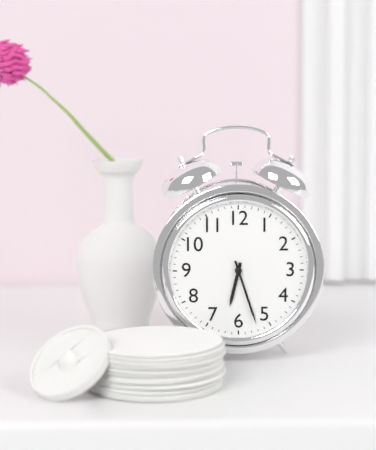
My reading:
{"hour": 6, "minute": 27}
